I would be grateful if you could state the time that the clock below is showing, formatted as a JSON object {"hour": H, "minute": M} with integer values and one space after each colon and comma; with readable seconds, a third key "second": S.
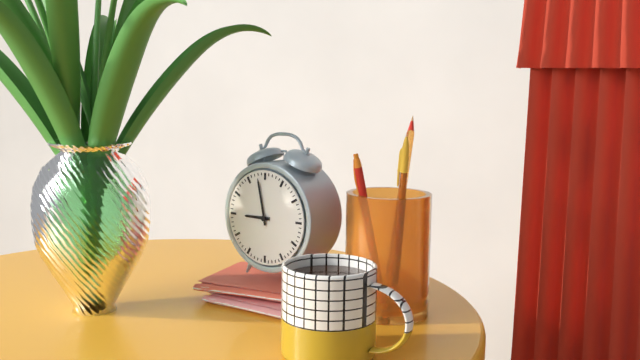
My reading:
{"hour": 8, "minute": 58}
